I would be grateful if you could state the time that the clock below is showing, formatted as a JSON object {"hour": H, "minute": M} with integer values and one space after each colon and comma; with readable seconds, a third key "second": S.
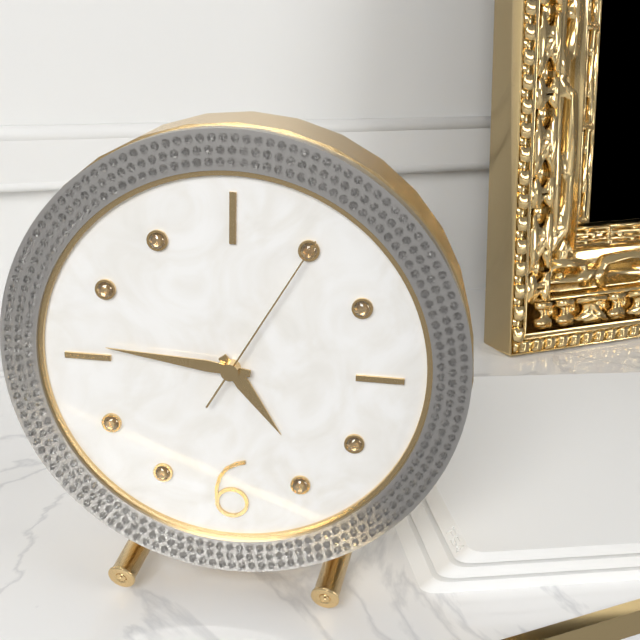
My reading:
{"hour": 4, "minute": 46, "second": 5}
